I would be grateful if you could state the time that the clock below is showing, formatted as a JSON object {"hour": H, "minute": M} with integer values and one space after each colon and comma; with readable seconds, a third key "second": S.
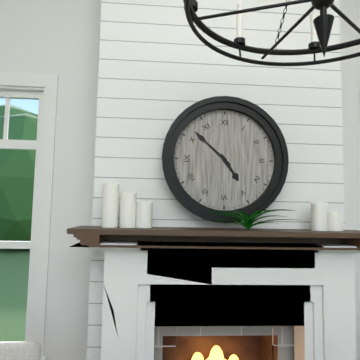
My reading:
{"hour": 4, "minute": 52}
